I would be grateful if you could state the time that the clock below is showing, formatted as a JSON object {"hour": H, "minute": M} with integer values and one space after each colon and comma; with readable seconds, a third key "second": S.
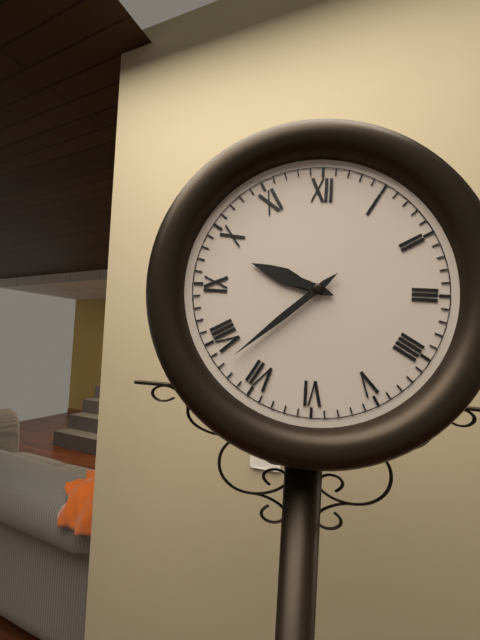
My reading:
{"hour": 9, "minute": 38}
